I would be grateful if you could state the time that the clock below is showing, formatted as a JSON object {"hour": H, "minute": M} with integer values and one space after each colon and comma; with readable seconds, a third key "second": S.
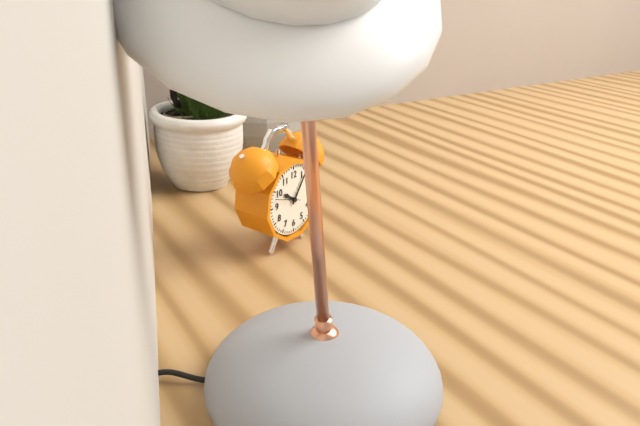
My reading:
{"hour": 10, "minute": 6}
